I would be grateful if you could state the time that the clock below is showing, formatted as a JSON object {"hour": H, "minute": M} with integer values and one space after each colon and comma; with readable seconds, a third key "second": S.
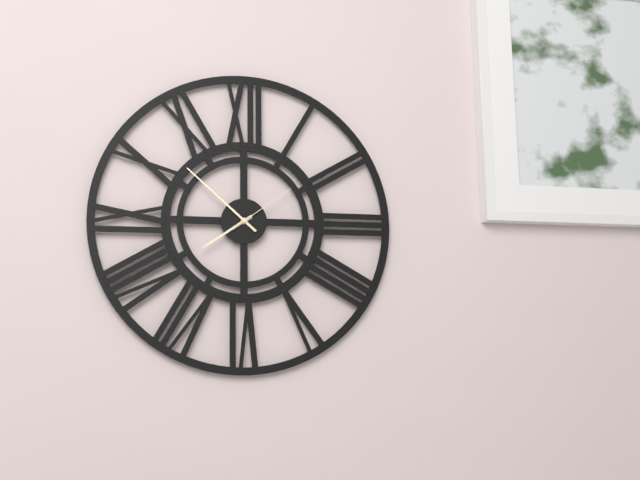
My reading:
{"hour": 7, "minute": 52, "second": 9}
